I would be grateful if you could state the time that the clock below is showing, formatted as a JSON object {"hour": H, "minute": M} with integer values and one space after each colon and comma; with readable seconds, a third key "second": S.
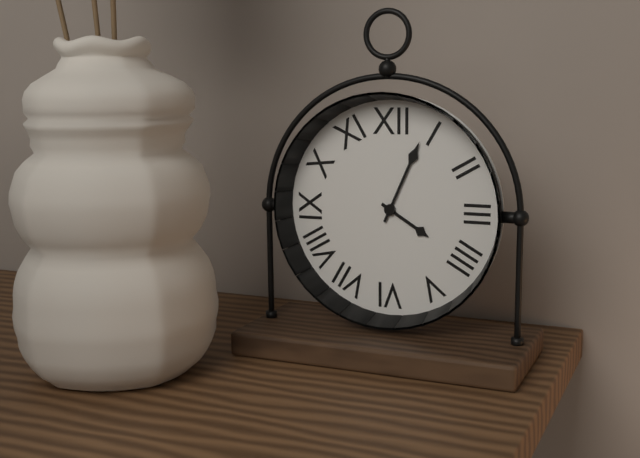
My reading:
{"hour": 4, "minute": 4}
